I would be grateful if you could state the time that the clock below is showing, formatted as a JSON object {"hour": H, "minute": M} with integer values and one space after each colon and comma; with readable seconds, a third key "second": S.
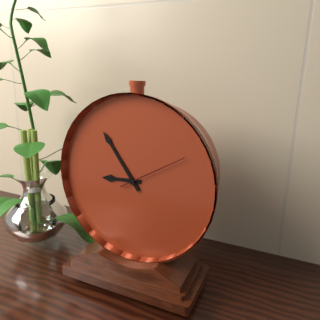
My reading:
{"hour": 8, "minute": 54, "second": 10}
